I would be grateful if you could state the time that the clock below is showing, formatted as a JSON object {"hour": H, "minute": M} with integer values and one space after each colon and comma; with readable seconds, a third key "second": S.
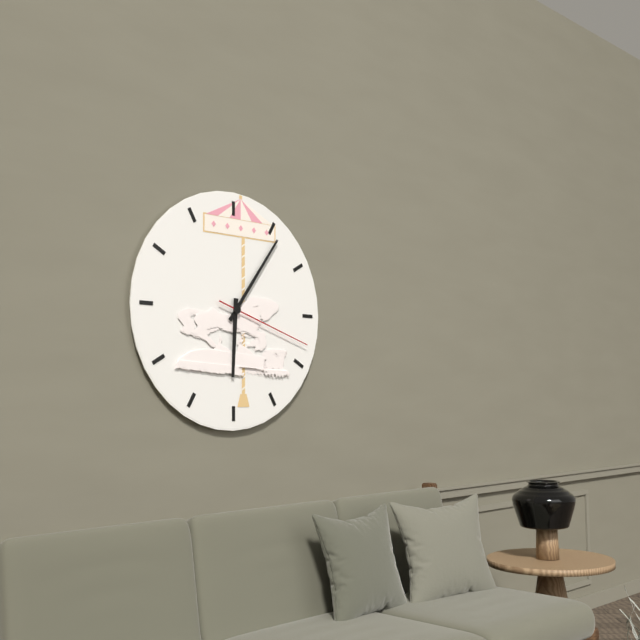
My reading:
{"hour": 6, "minute": 6, "second": 18}
